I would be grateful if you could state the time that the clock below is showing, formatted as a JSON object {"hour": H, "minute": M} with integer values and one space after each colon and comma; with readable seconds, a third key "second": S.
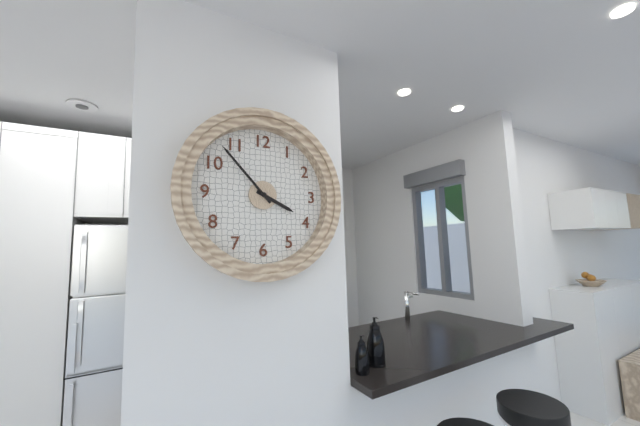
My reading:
{"hour": 3, "minute": 53}
